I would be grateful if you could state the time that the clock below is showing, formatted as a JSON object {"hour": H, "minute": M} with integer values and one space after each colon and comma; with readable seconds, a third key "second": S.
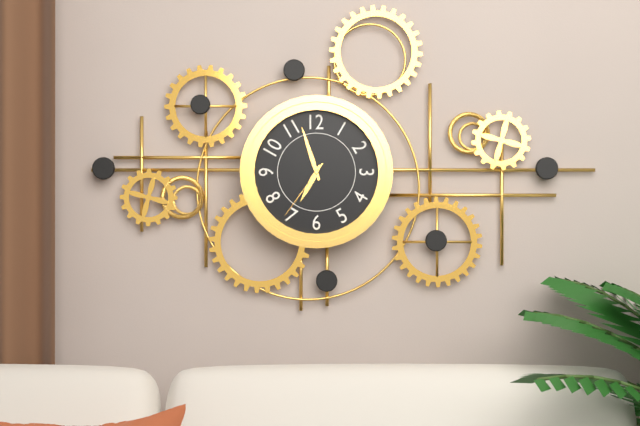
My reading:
{"hour": 6, "minute": 57, "second": 36}
